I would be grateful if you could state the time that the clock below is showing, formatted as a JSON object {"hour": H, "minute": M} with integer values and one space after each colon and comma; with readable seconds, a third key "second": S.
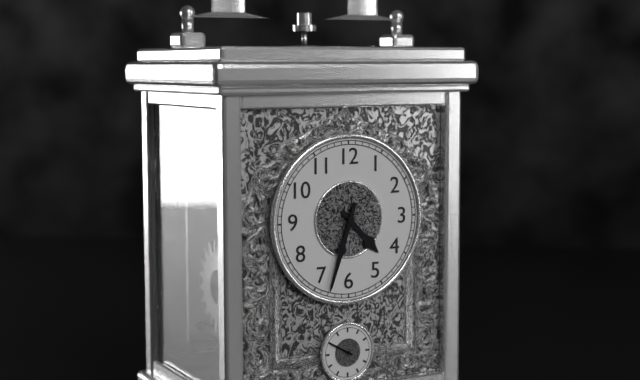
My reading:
{"hour": 4, "minute": 33}
